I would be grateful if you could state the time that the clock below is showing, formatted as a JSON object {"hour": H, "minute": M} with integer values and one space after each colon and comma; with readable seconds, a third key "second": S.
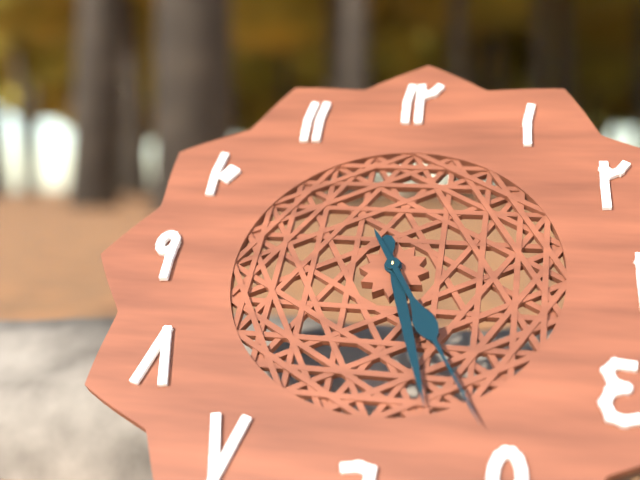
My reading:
{"hour": 5, "minute": 25}
